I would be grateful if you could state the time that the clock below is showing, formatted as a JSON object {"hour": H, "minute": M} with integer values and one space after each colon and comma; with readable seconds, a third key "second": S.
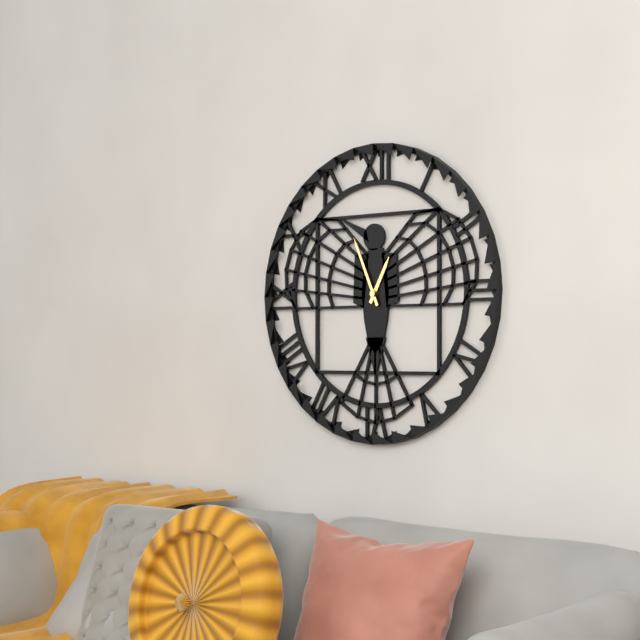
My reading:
{"hour": 12, "minute": 56}
